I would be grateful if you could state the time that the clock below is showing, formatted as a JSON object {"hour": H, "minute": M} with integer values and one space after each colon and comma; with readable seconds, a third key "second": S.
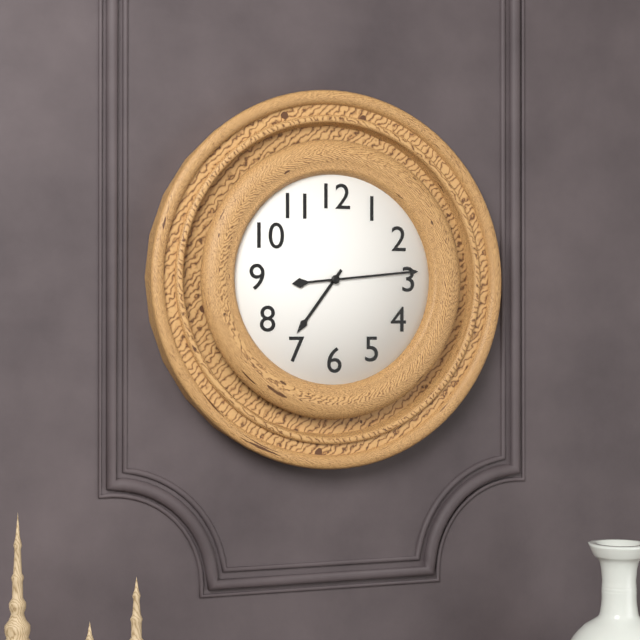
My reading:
{"hour": 7, "minute": 14}
